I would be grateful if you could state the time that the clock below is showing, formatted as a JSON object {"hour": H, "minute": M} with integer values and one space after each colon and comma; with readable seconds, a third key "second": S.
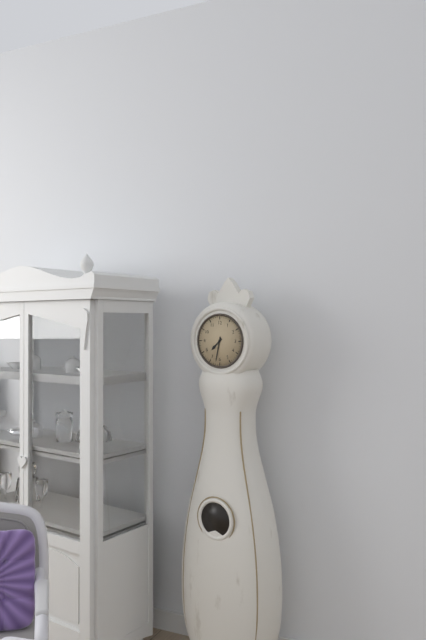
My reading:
{"hour": 7, "minute": 32}
